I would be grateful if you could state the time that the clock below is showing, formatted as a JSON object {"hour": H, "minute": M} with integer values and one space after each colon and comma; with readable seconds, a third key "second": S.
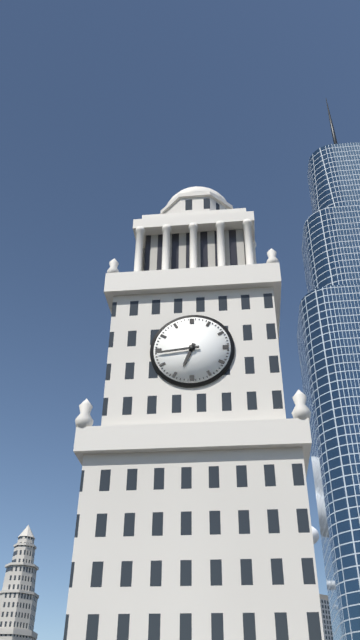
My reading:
{"hour": 6, "minute": 44}
